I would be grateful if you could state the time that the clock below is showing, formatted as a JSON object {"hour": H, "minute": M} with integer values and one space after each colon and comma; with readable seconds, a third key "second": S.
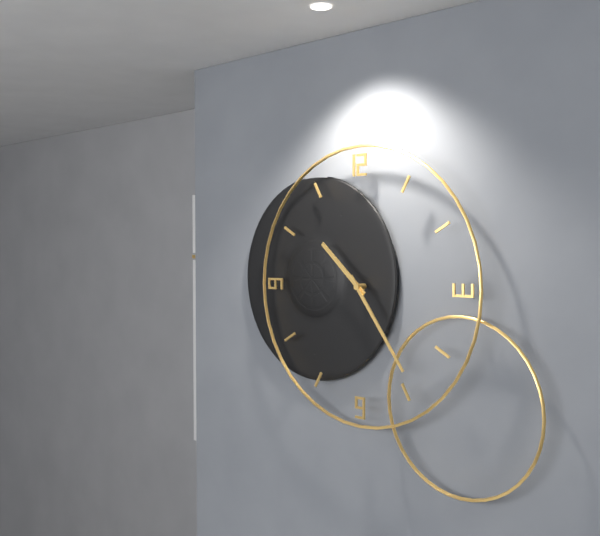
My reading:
{"hour": 10, "minute": 24}
